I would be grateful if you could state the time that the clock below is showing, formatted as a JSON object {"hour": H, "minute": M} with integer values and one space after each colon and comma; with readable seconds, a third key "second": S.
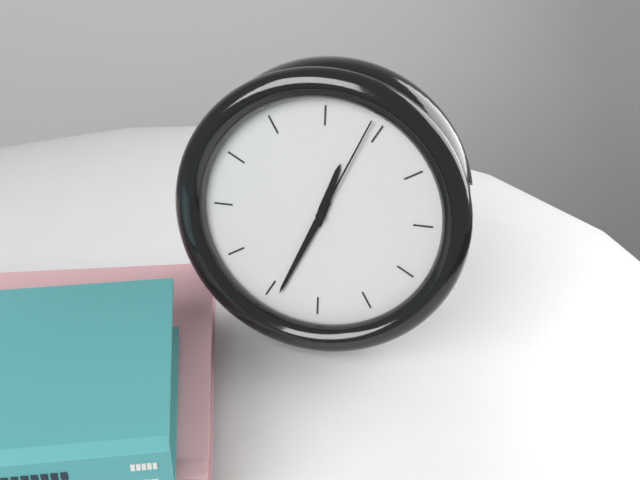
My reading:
{"hour": 12, "minute": 34, "second": 4}
